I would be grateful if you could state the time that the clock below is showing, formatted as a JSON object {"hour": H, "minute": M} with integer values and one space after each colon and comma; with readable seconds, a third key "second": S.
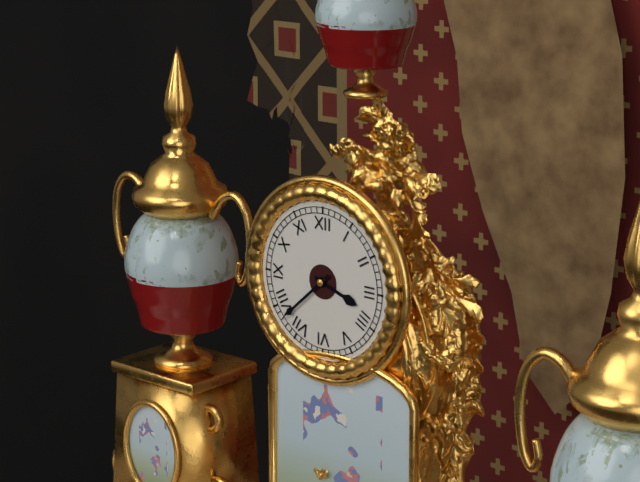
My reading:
{"hour": 3, "minute": 38}
